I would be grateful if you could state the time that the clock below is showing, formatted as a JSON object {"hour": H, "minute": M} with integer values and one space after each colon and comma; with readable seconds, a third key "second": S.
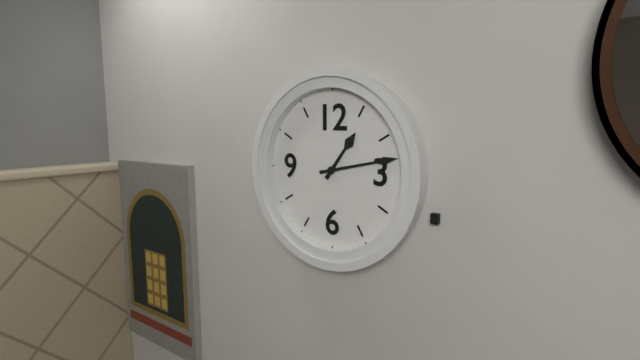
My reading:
{"hour": 1, "minute": 13}
